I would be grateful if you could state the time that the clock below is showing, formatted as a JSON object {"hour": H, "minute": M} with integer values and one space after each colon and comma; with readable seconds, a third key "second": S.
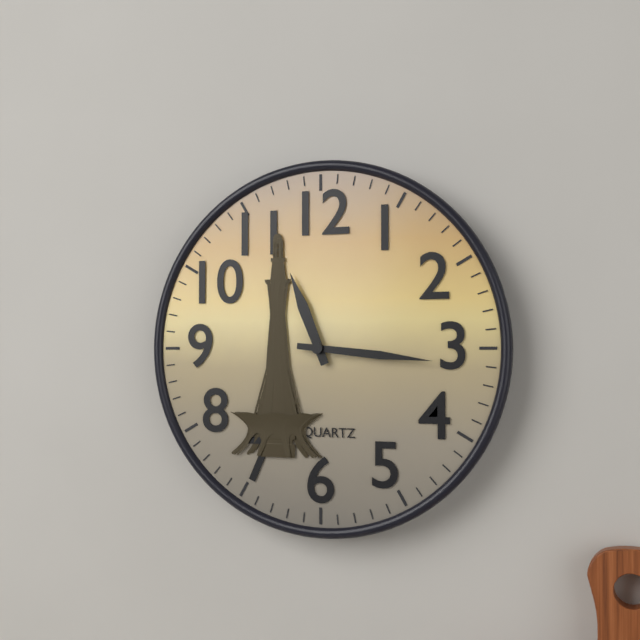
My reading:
{"hour": 11, "minute": 16}
